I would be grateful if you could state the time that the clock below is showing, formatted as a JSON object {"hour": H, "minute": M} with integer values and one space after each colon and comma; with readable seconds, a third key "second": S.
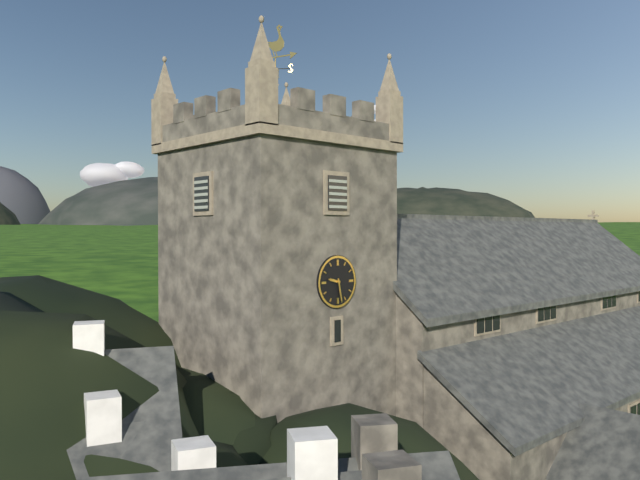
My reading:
{"hour": 9, "minute": 28}
